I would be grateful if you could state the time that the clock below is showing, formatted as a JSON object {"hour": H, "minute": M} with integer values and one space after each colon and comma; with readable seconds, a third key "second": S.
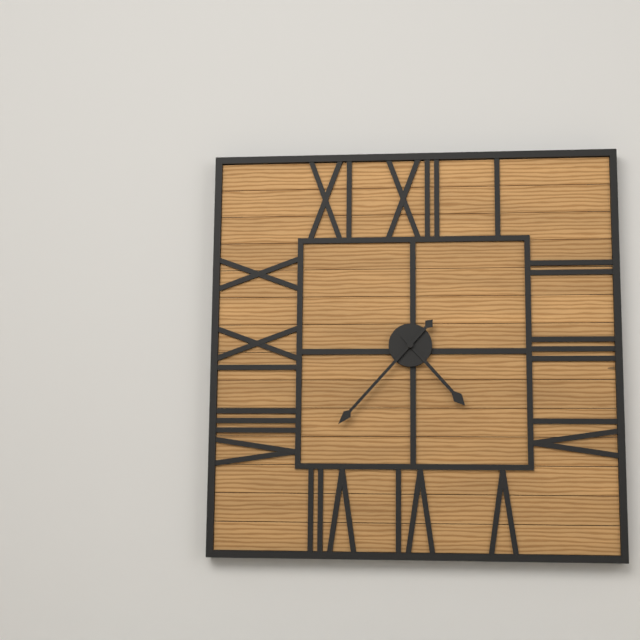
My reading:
{"hour": 4, "minute": 37}
